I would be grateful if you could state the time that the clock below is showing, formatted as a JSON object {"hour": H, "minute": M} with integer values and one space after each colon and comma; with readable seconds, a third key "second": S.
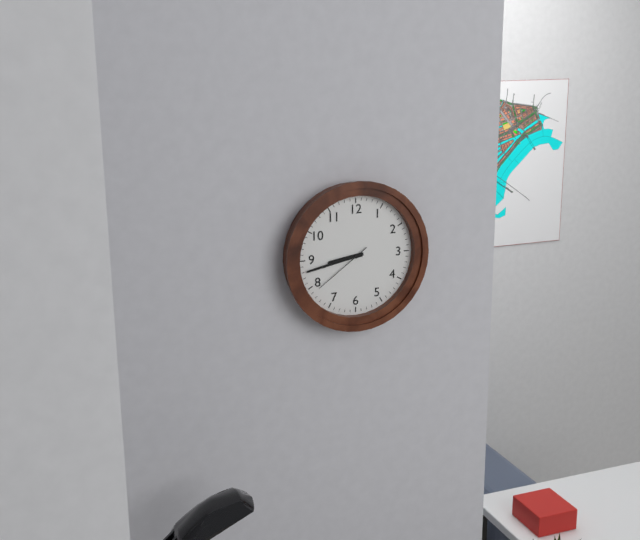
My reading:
{"hour": 8, "minute": 43, "second": 39}
